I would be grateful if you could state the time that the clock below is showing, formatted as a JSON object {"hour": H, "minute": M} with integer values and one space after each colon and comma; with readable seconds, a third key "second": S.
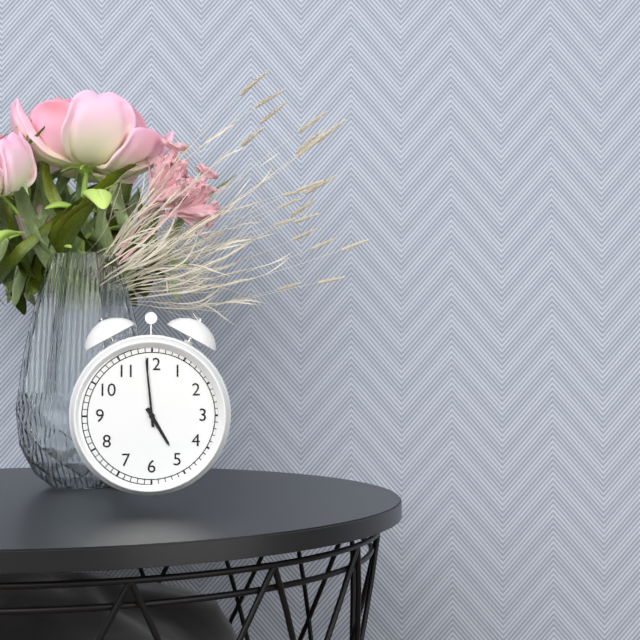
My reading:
{"hour": 4, "minute": 59}
